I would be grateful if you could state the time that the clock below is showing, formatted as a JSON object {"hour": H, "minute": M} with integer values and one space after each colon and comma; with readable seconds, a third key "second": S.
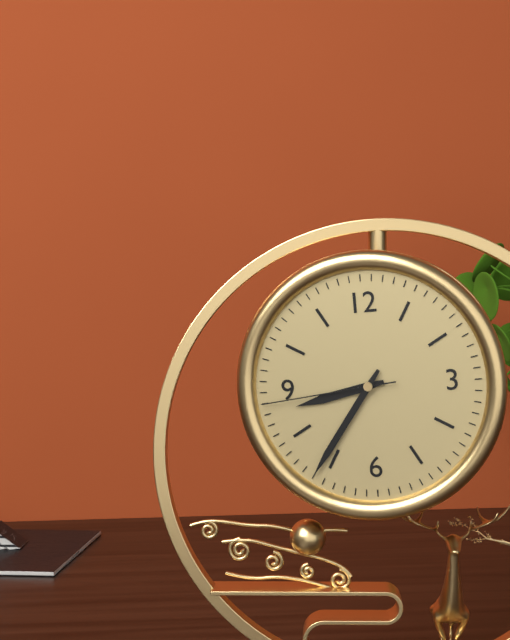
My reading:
{"hour": 8, "minute": 36, "second": 44}
